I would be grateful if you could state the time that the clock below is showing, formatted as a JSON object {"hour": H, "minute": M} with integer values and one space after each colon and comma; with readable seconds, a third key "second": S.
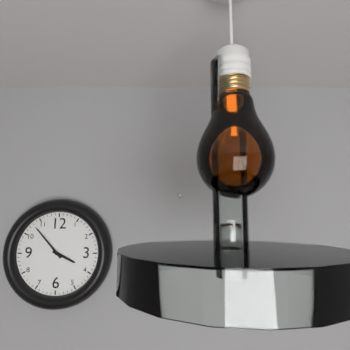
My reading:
{"hour": 3, "minute": 53}
